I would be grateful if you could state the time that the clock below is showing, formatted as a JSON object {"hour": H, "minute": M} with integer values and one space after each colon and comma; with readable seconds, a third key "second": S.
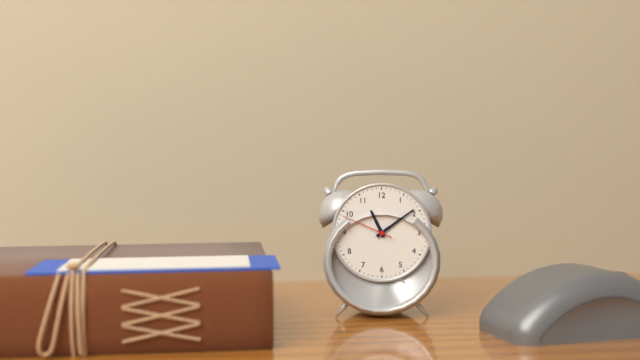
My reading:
{"hour": 11, "minute": 9, "second": 49}
